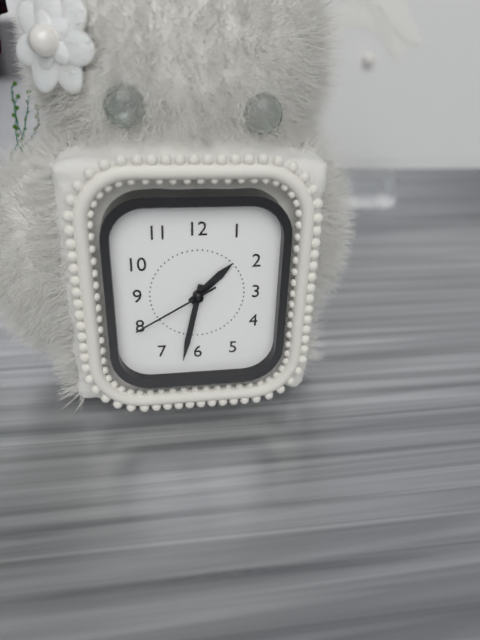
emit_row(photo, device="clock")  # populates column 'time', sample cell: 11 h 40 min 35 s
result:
1 h 32 min 40 s
